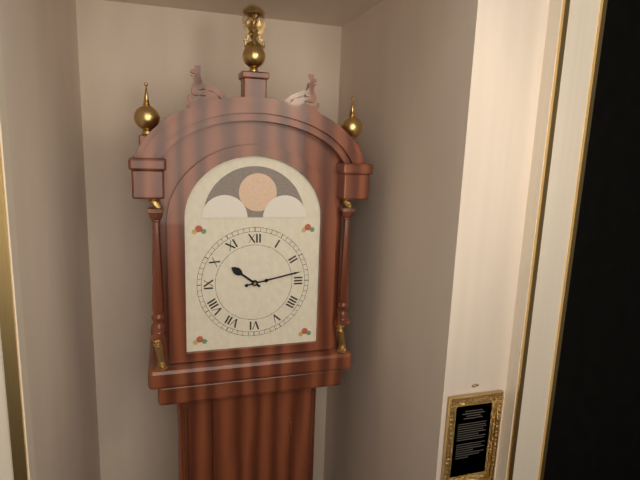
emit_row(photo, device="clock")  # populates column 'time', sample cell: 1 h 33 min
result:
10 h 13 min
